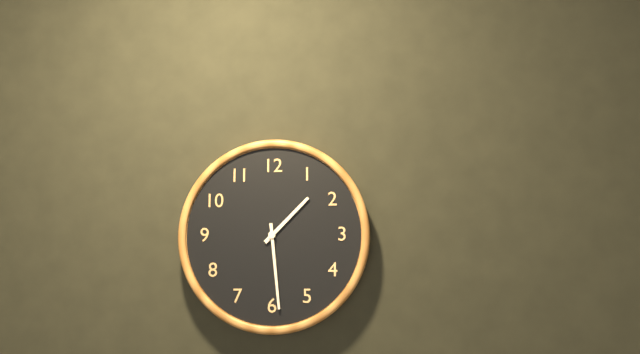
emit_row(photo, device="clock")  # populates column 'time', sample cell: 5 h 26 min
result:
1 h 29 min
